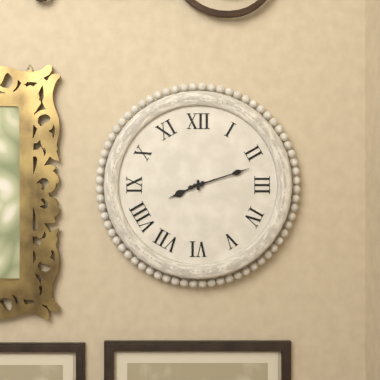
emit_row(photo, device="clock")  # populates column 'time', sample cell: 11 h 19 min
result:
8 h 12 min
